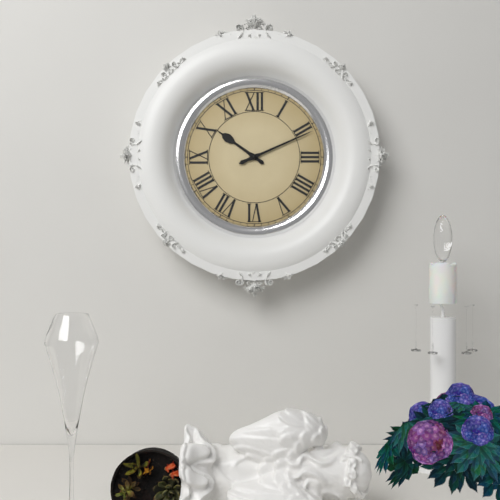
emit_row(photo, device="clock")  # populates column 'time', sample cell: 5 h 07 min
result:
10 h 11 min
